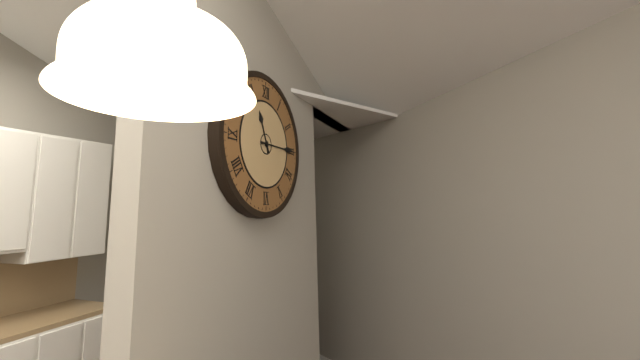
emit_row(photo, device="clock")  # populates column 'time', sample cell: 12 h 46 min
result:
11 h 15 min
